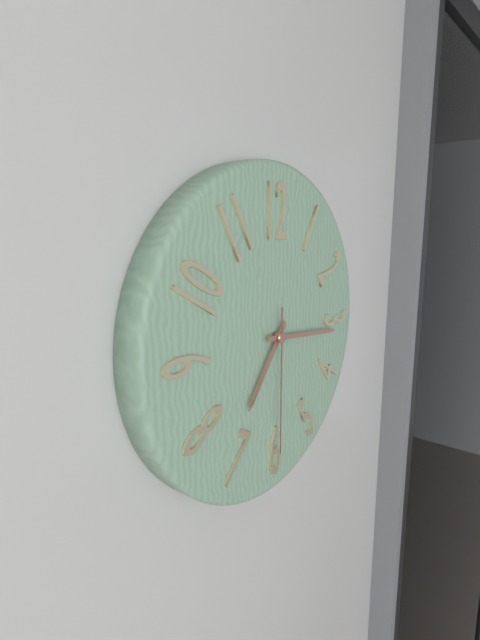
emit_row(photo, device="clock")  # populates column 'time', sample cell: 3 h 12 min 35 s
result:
7 h 16 min 30 s
